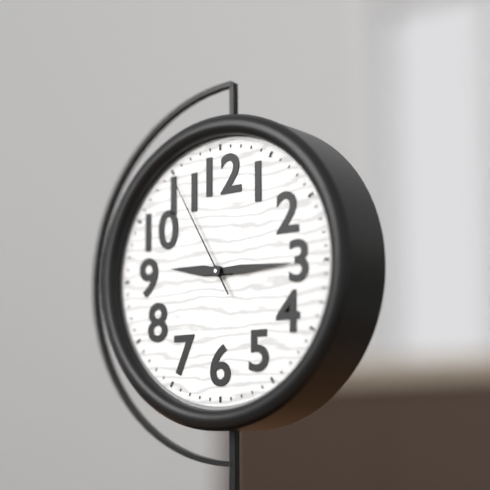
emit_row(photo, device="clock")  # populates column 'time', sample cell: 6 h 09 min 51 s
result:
9 h 15 min 55 s
